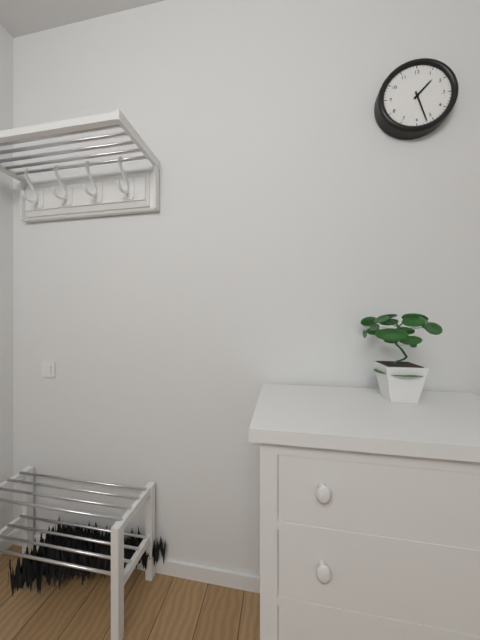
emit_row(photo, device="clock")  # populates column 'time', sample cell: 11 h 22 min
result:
1 h 27 min
